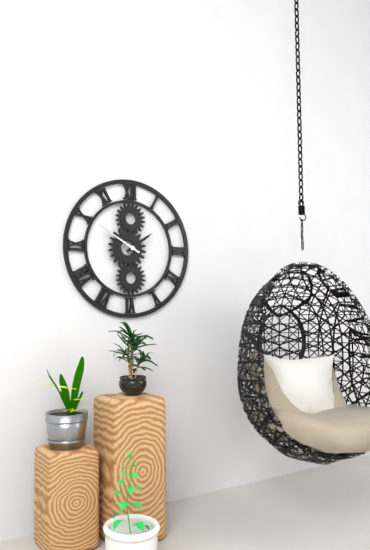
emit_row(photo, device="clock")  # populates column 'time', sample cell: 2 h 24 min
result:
1 h 50 min
